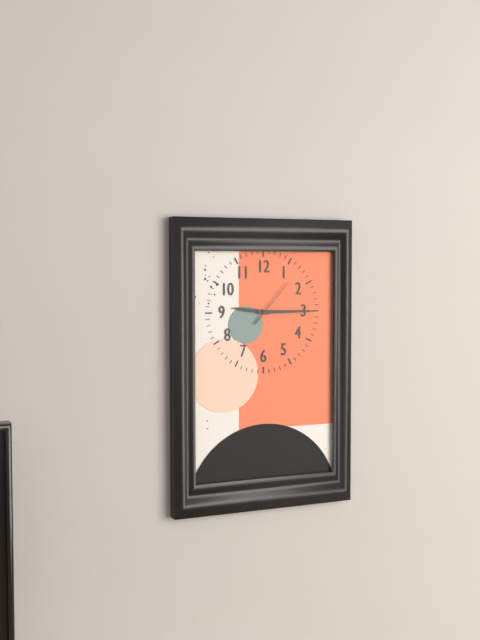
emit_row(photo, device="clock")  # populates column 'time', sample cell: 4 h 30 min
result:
9 h 15 min
